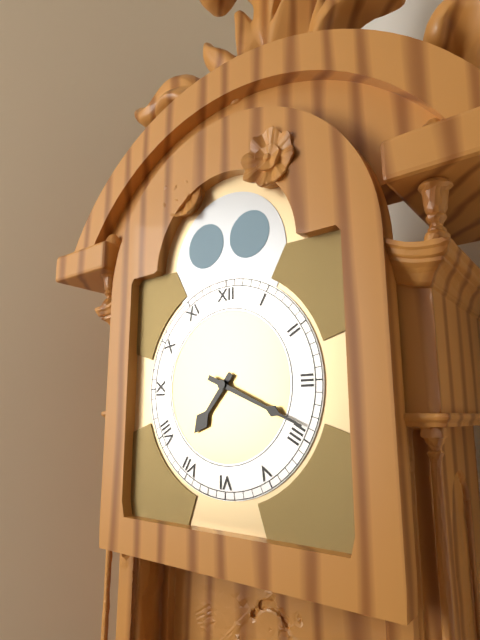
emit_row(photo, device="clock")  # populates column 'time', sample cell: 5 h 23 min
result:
7 h 19 min
